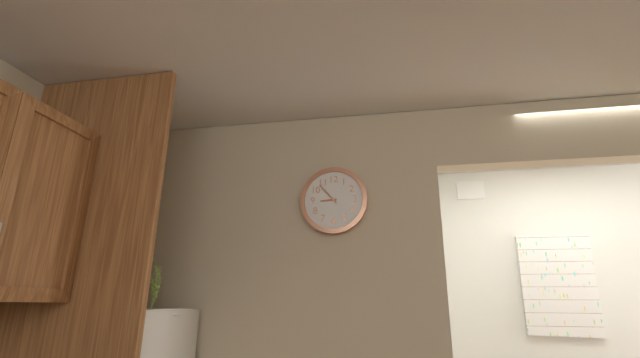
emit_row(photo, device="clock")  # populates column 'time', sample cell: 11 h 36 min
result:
8 h 53 min
